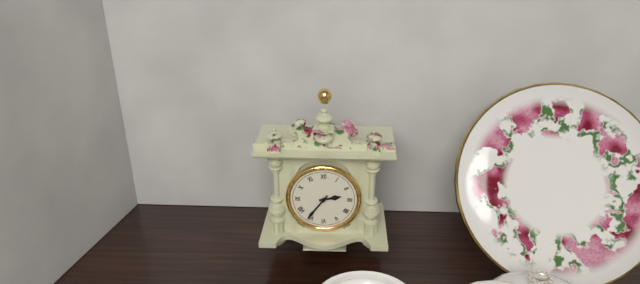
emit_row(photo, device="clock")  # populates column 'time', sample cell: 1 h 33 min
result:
2 h 36 min
